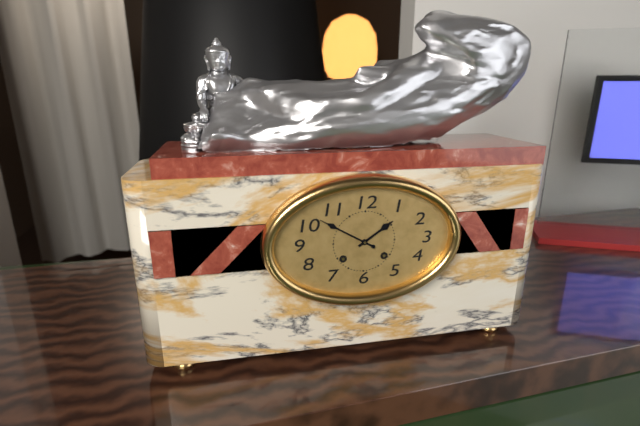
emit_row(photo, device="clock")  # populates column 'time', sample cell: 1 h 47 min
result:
1 h 50 min
